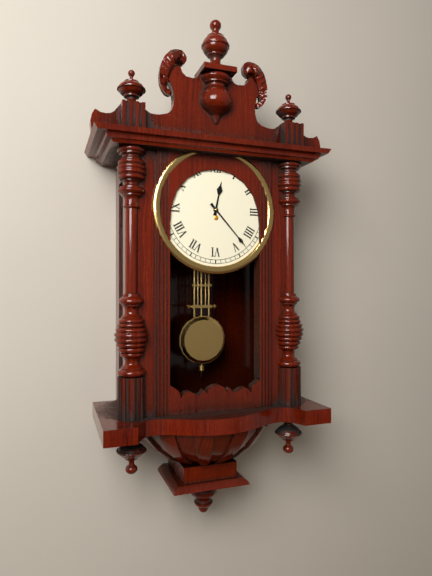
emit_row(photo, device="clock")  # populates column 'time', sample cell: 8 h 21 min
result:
12 h 23 min
